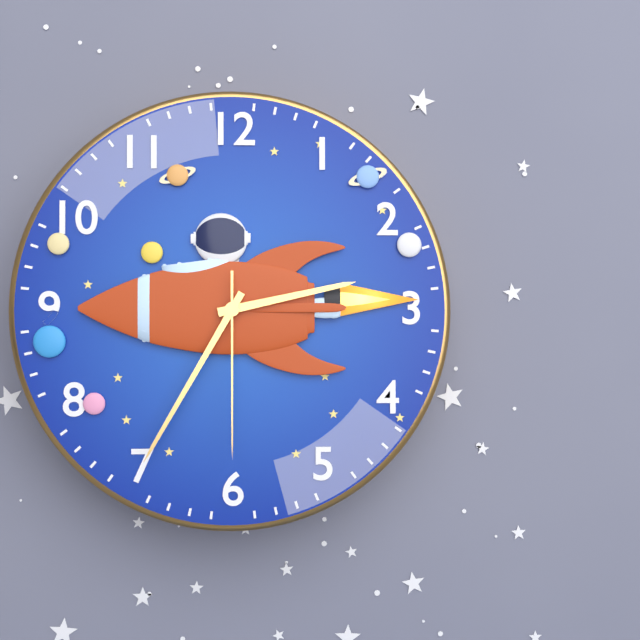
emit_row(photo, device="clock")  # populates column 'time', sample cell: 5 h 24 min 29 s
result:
2 h 35 min 30 s
